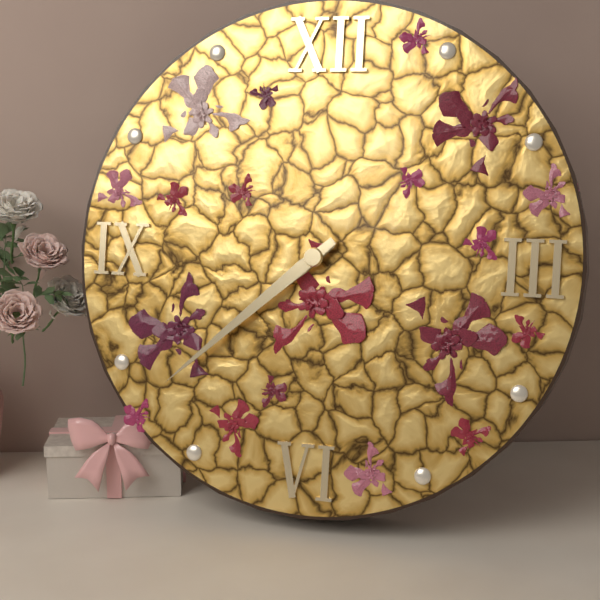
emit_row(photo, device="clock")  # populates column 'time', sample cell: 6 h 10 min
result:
7 h 38 min
